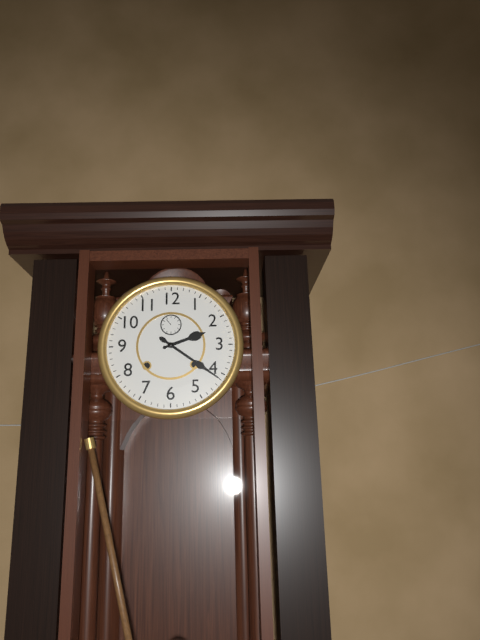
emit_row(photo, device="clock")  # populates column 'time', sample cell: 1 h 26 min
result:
2 h 21 min
